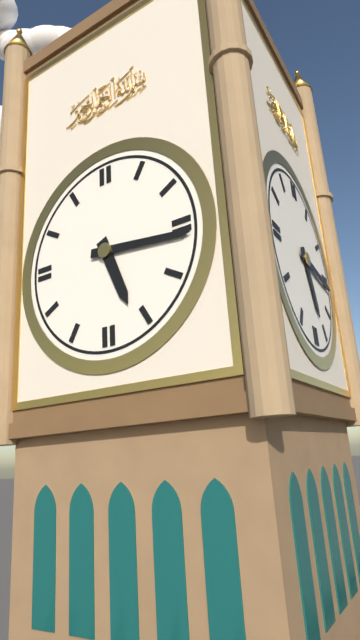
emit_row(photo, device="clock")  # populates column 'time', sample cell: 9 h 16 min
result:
5 h 16 min
